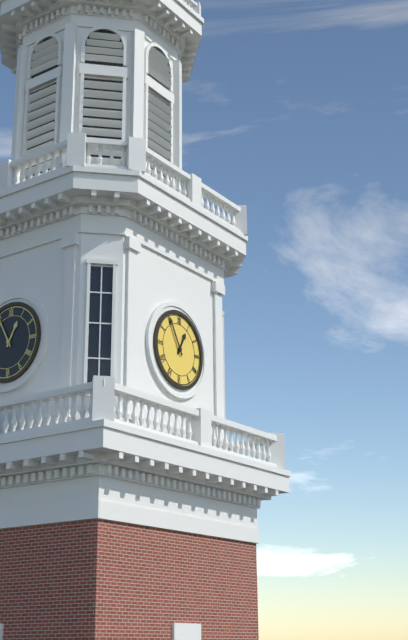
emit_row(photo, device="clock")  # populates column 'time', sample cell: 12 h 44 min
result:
12 h 55 min
